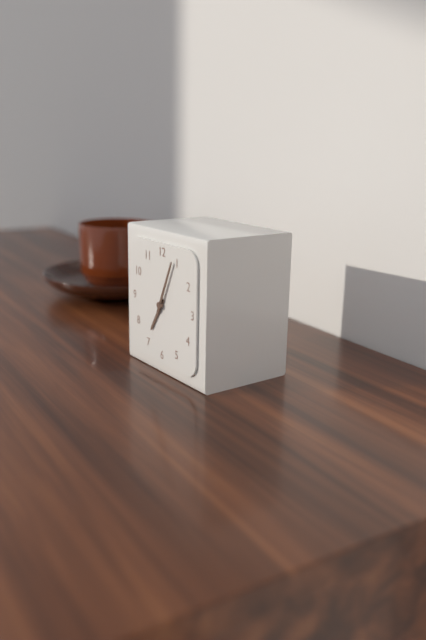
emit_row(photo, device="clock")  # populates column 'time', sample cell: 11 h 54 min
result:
7 h 04 min
